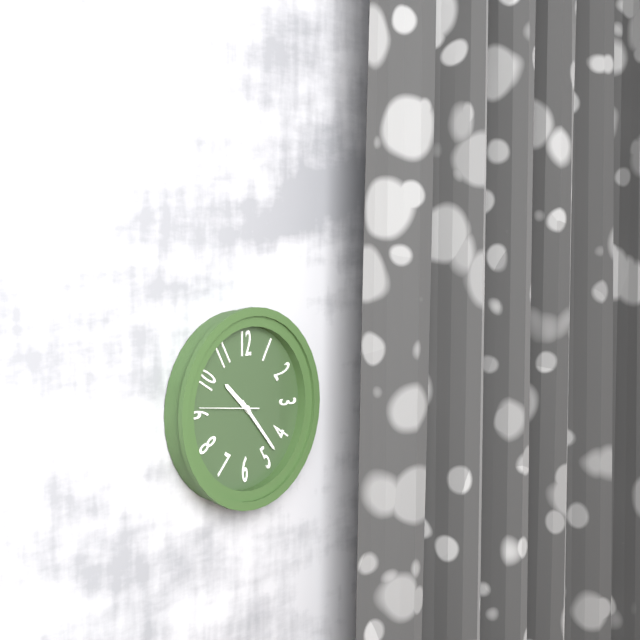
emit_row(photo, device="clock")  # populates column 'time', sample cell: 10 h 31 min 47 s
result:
10 h 23 min 46 s
